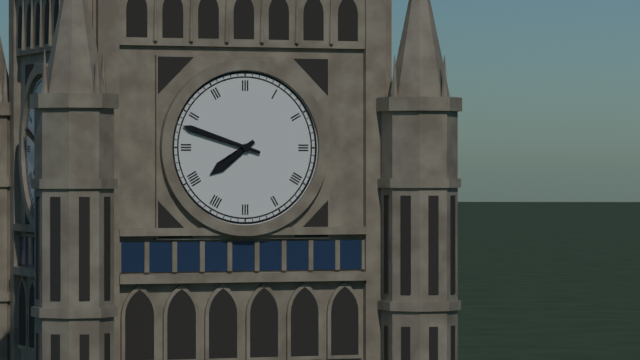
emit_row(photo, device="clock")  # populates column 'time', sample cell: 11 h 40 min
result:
7 h 48 min
